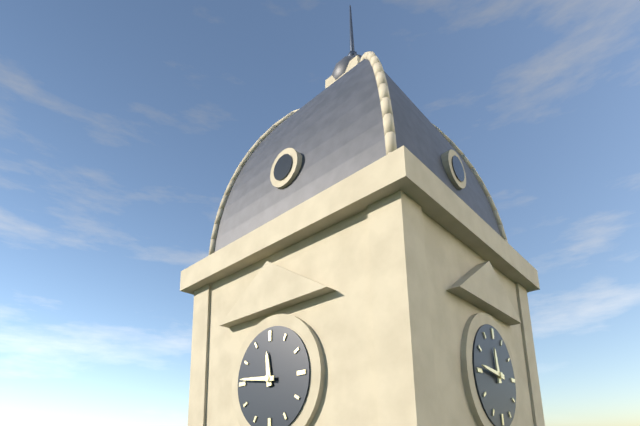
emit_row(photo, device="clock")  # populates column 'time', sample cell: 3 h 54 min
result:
11 h 46 min
